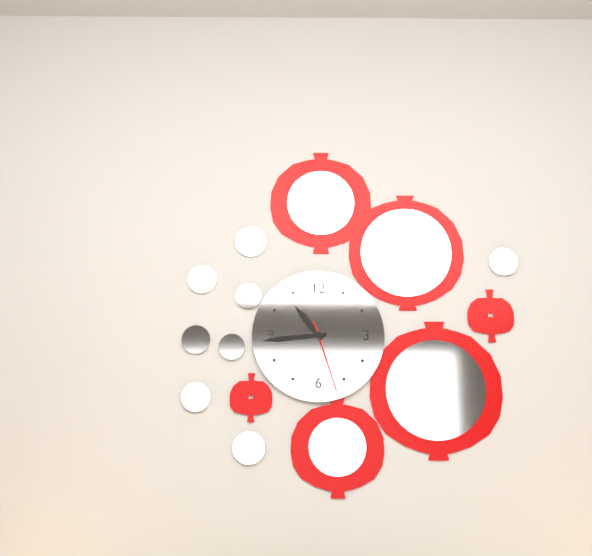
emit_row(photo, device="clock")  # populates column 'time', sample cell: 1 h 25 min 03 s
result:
10 h 44 min 27 s
